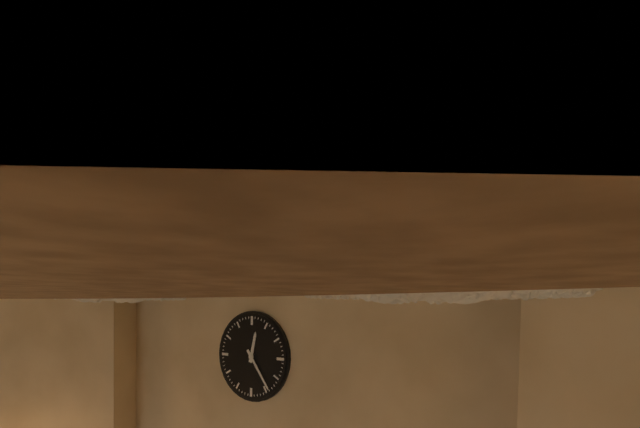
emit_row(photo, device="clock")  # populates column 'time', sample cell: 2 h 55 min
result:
12 h 24 min
